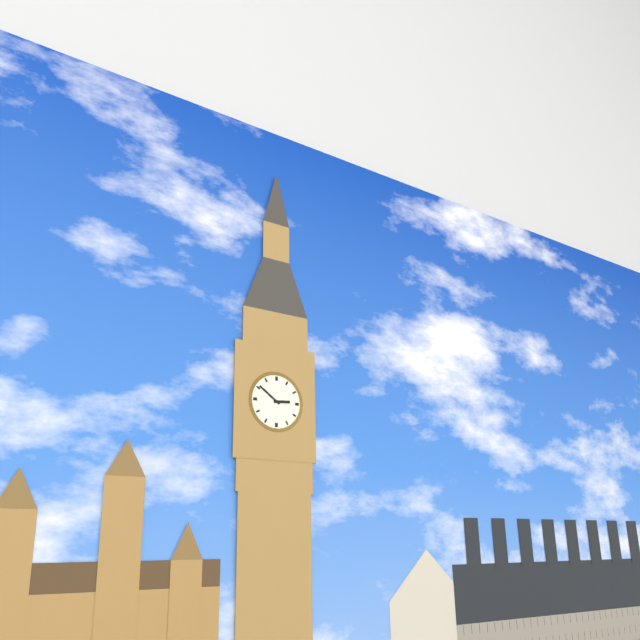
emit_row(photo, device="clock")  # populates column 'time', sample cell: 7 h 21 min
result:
2 h 51 min
